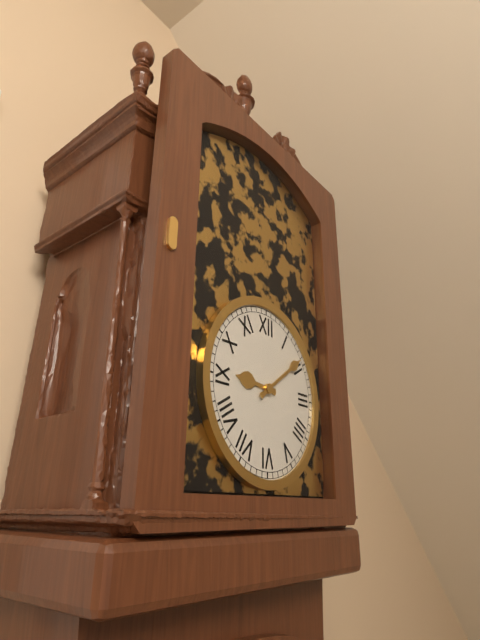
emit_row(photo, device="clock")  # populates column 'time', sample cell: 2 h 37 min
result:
9 h 09 min
